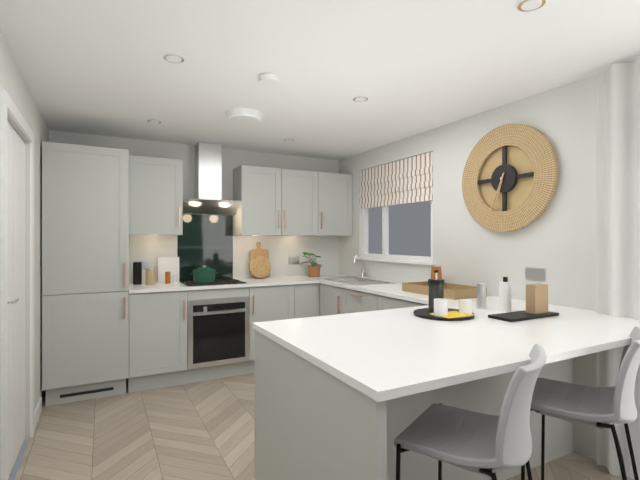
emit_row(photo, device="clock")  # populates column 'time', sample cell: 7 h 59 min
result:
6 h 34 min
